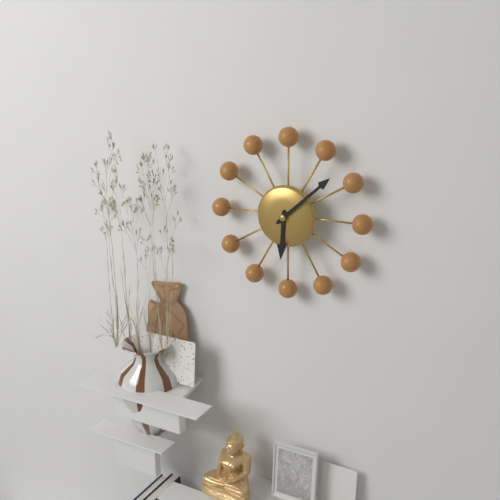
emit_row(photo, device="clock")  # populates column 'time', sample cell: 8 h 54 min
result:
6 h 08 min
